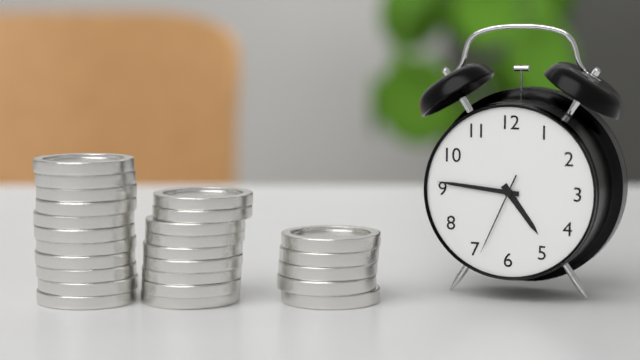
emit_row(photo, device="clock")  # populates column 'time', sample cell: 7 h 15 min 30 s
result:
4 h 46 min 34 s
